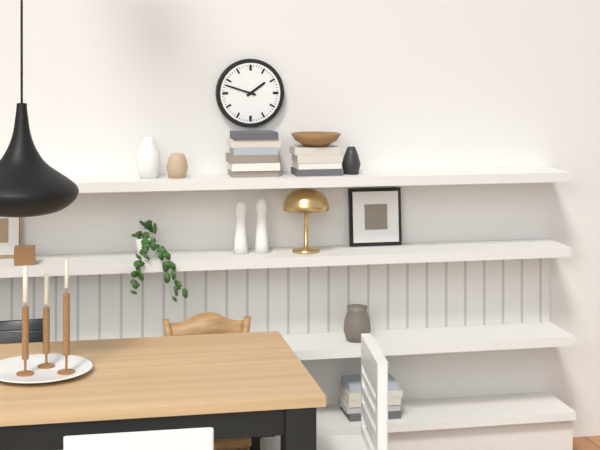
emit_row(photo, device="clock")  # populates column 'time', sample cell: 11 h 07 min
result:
1 h 48 min
